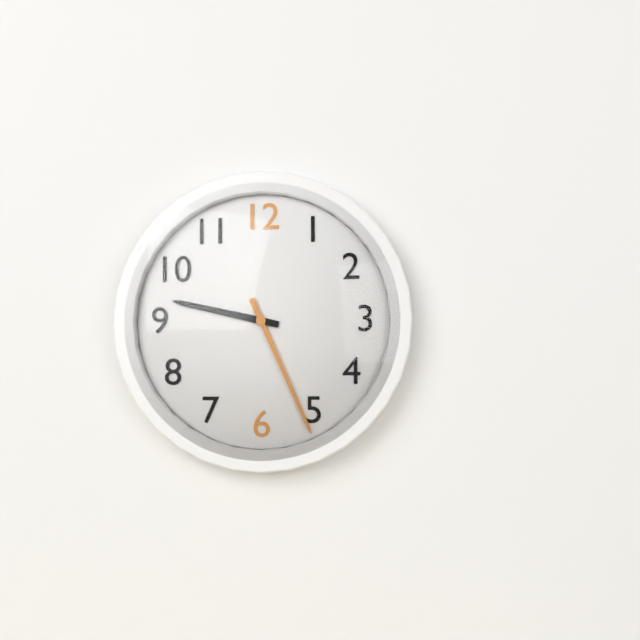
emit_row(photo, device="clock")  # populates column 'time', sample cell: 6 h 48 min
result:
9 h 26 min
